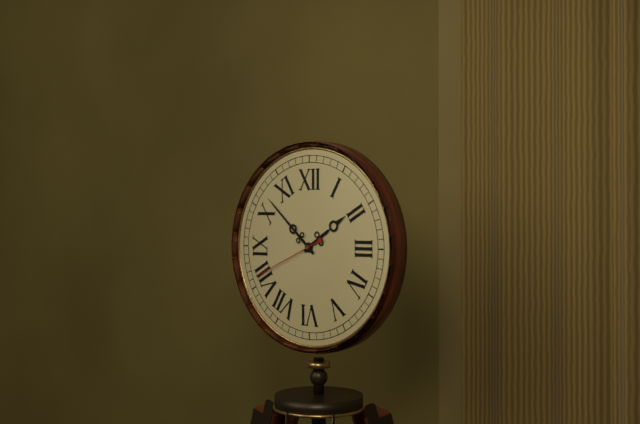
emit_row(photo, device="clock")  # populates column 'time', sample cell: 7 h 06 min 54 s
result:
1 h 52 min 41 s
